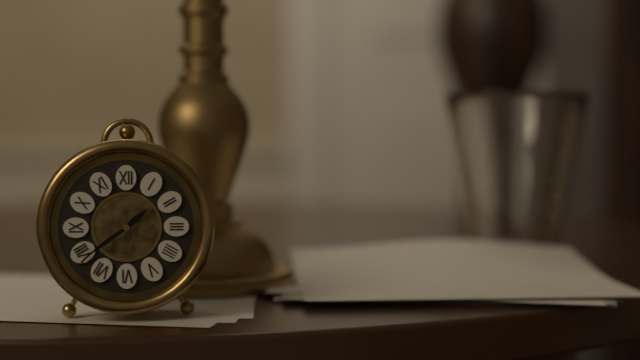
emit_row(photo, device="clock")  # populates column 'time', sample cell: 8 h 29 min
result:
1 h 39 min
